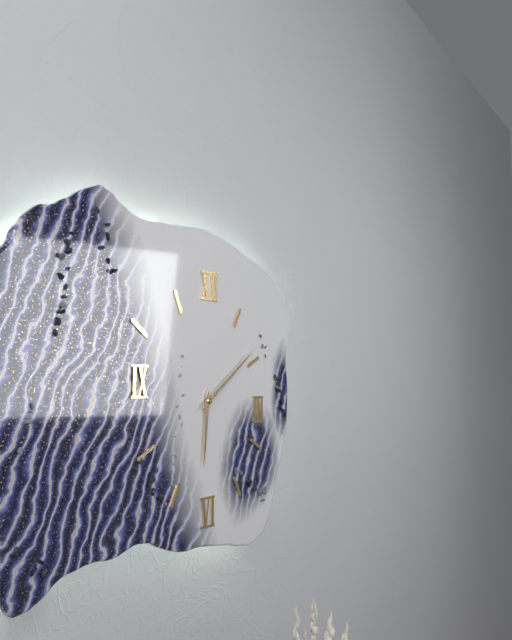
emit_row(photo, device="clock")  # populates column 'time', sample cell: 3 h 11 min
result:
6 h 09 min
